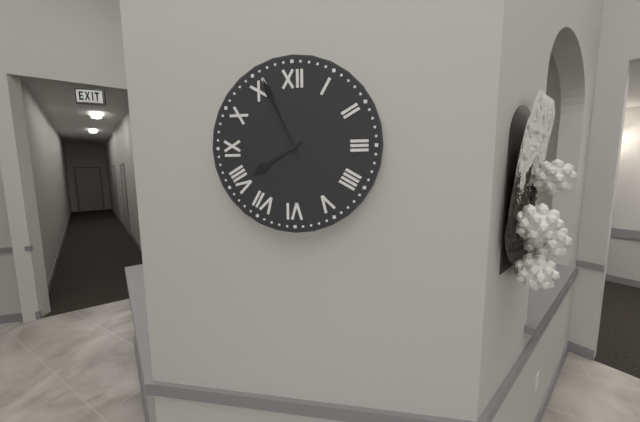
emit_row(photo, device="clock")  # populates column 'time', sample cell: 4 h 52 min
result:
7 h 56 min
